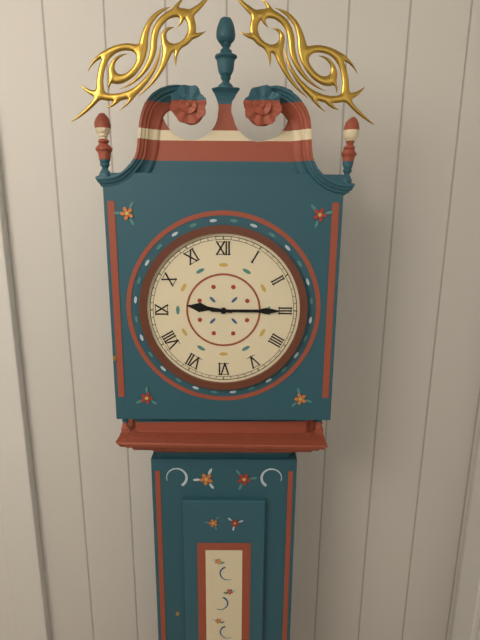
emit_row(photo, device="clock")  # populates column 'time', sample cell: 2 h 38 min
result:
9 h 15 min
